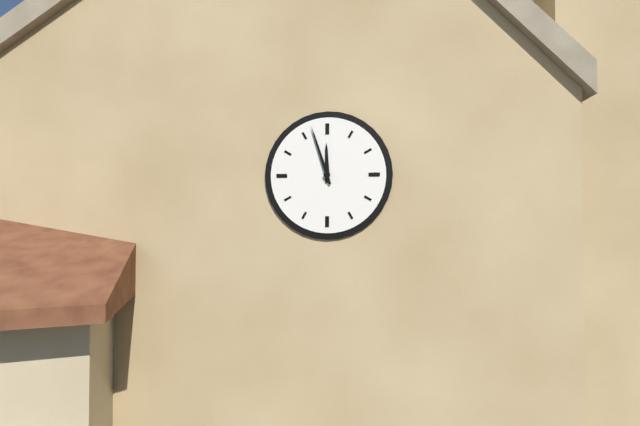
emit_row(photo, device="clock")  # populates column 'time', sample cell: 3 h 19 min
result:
11 h 57 min
